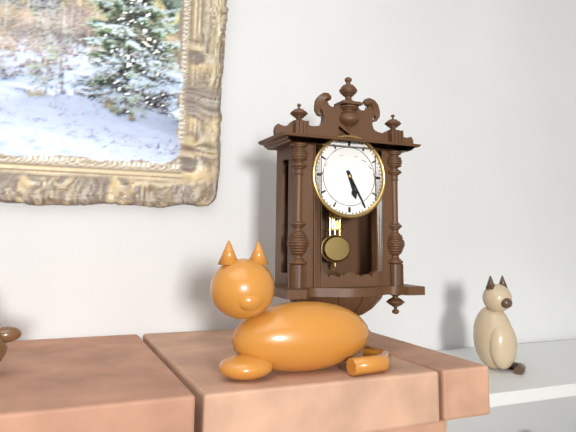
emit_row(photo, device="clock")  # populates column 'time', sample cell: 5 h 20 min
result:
5 h 25 min
